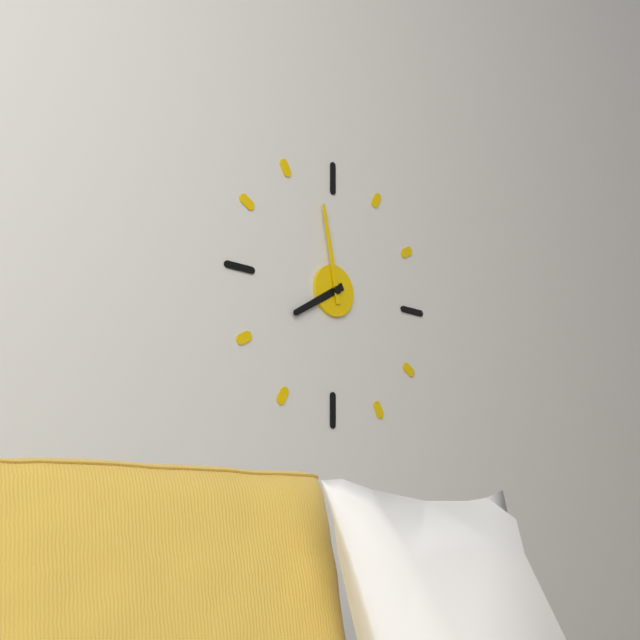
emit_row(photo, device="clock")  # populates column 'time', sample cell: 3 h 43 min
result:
7 h 58 min
